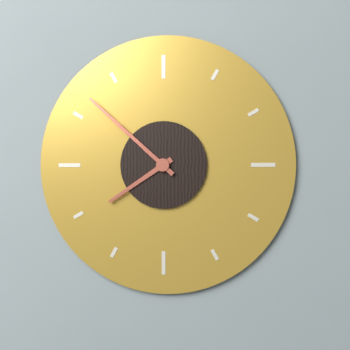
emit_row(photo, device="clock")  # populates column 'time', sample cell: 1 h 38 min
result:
7 h 52 min
